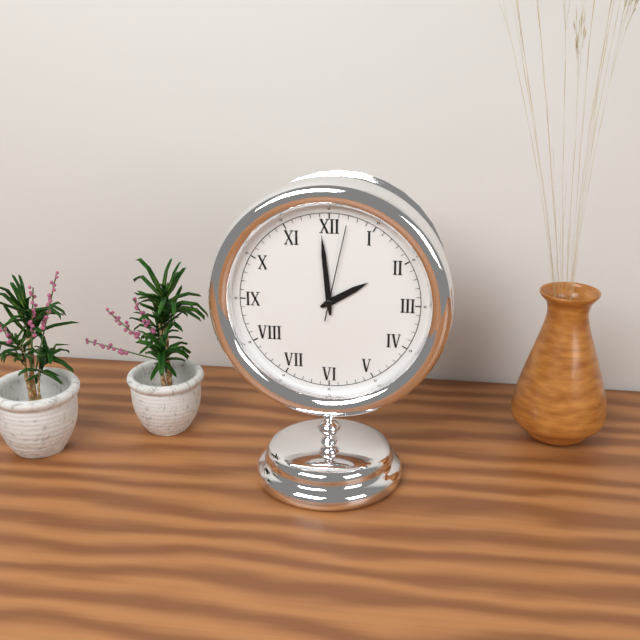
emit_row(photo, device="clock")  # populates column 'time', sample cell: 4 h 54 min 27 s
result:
1 h 59 min 02 s
